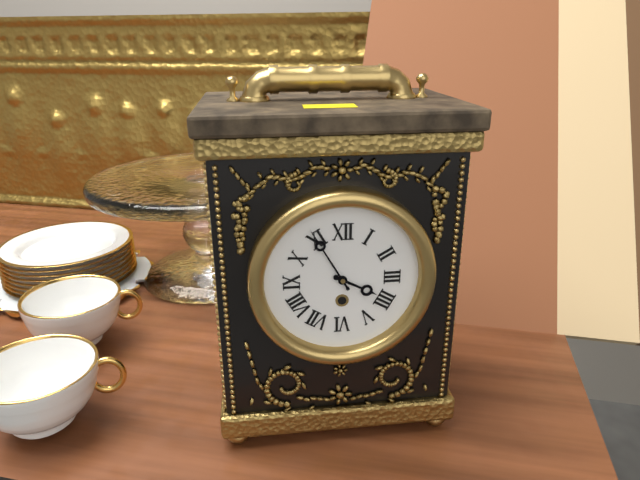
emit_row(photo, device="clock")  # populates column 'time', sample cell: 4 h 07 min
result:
3 h 55 min
